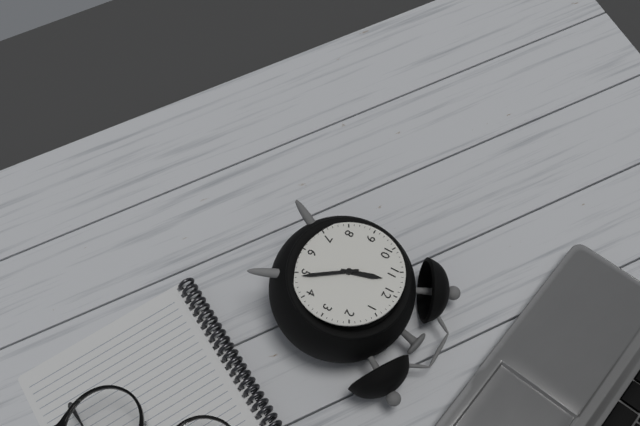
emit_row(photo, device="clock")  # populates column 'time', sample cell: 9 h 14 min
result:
11 h 24 min
